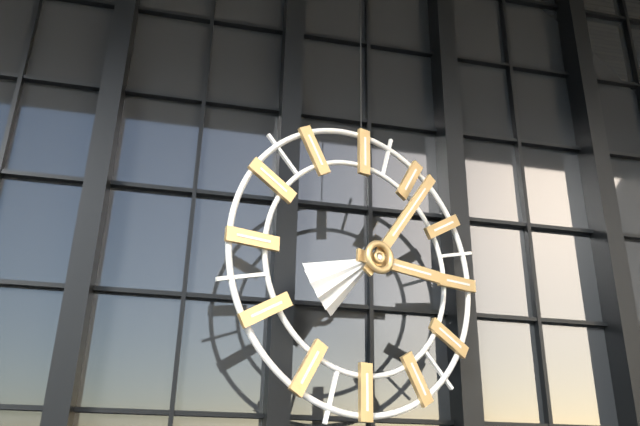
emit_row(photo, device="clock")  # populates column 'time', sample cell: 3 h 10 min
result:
3 h 06 min
